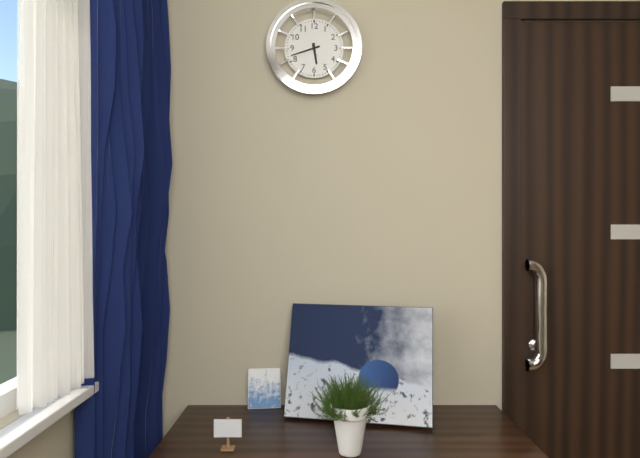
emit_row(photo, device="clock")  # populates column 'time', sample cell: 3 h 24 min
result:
5 h 42 min
